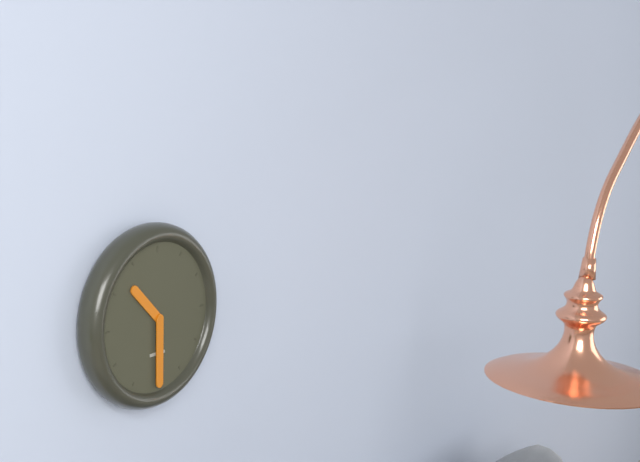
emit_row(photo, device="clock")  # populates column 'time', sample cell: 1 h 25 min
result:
10 h 30 min
